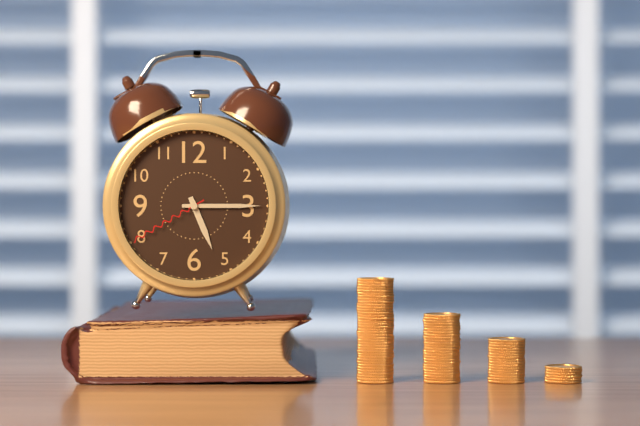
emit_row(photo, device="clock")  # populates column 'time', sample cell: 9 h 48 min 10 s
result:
5 h 15 min 40 s
